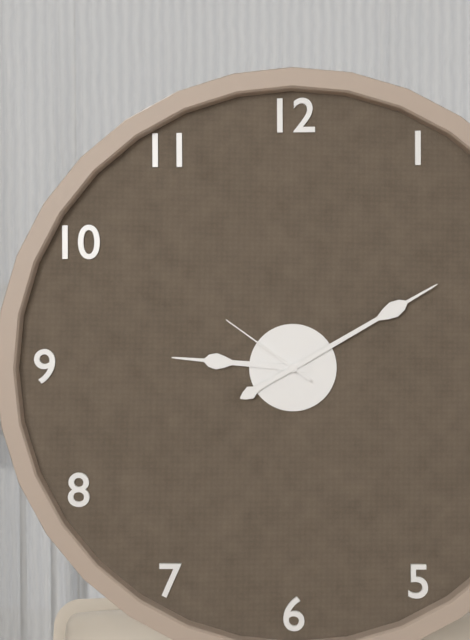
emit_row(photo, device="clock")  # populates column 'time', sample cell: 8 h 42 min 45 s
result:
9 h 10 min 51 s
